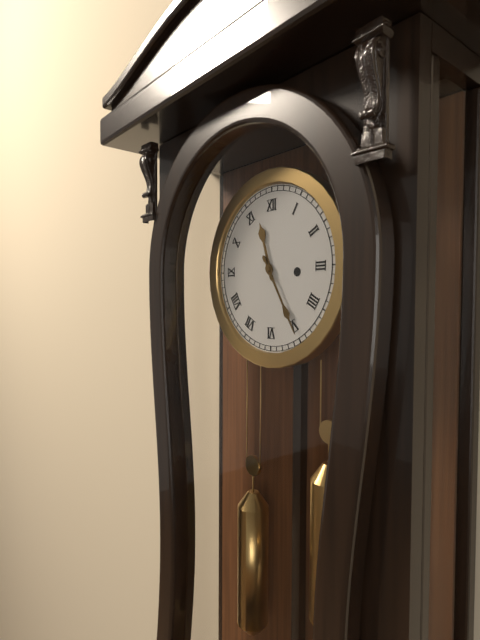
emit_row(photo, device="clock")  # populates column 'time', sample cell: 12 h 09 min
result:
11 h 25 min
